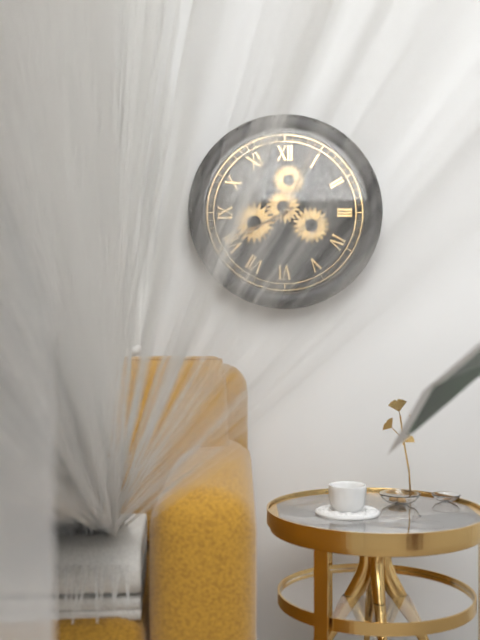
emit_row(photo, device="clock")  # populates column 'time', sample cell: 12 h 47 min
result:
8 h 04 min
